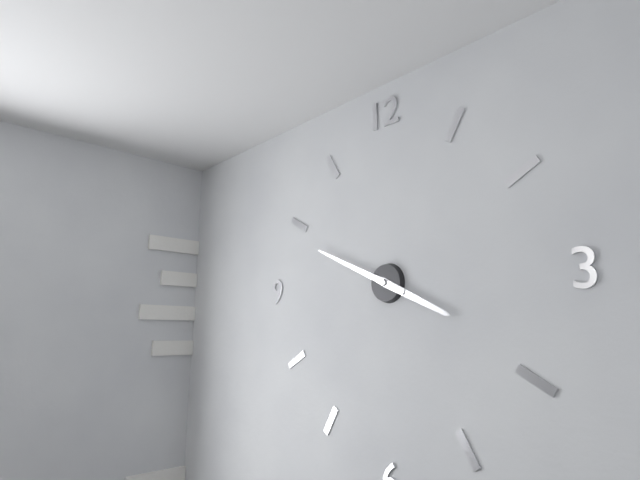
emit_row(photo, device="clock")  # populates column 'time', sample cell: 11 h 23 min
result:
3 h 49 min
